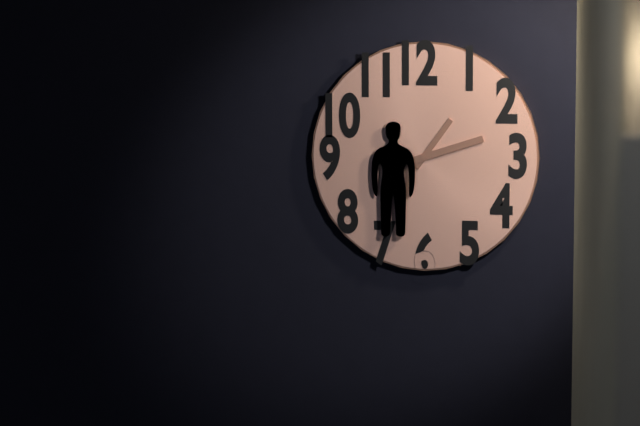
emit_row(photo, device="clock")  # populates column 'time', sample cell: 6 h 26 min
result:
1 h 12 min
